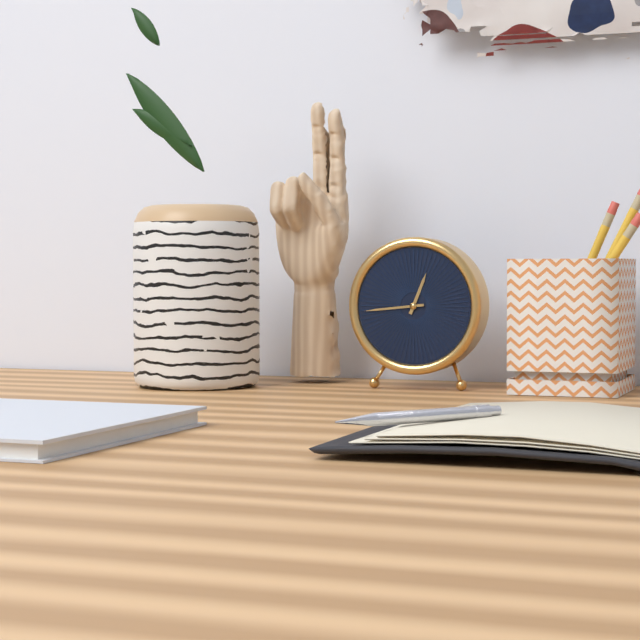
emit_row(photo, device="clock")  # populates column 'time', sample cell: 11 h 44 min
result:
12 h 44 min
